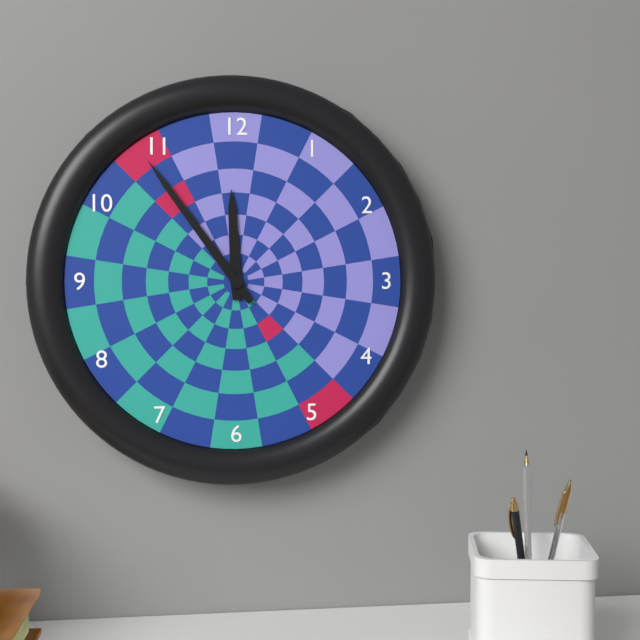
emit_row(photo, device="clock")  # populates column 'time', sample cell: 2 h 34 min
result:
11 h 54 min
